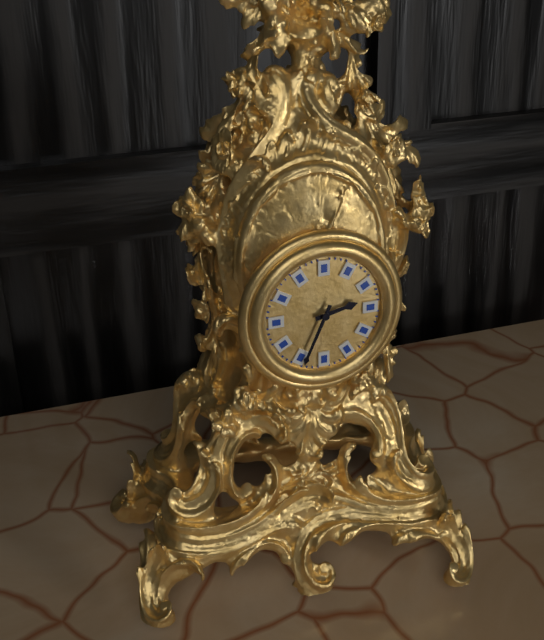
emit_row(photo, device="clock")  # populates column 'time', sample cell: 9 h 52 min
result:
2 h 34 min
